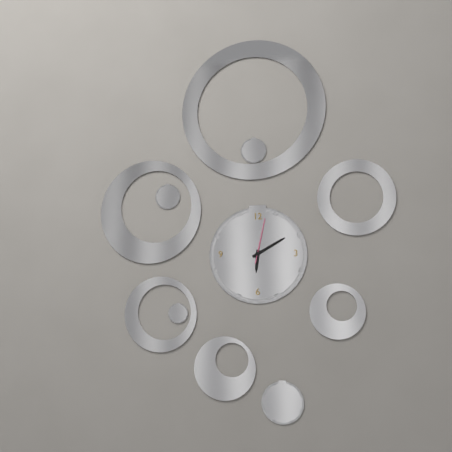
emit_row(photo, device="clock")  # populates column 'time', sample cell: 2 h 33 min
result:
6 h 10 min
